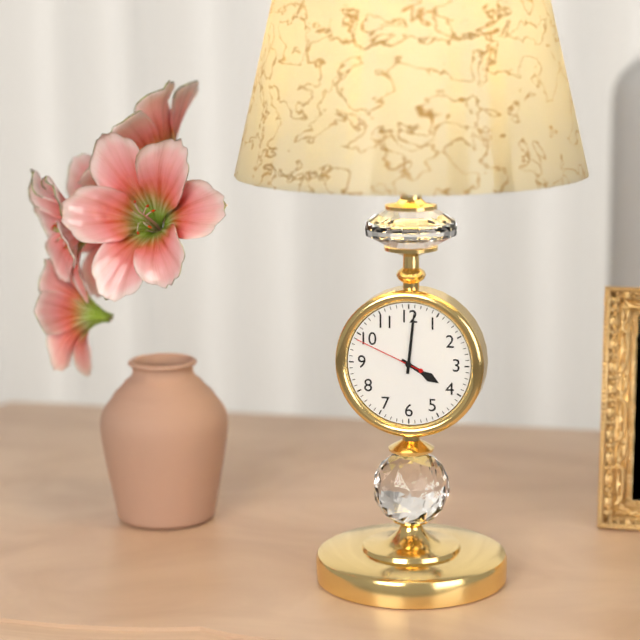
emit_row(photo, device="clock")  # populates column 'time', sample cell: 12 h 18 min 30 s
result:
4 h 01 min 49 s
